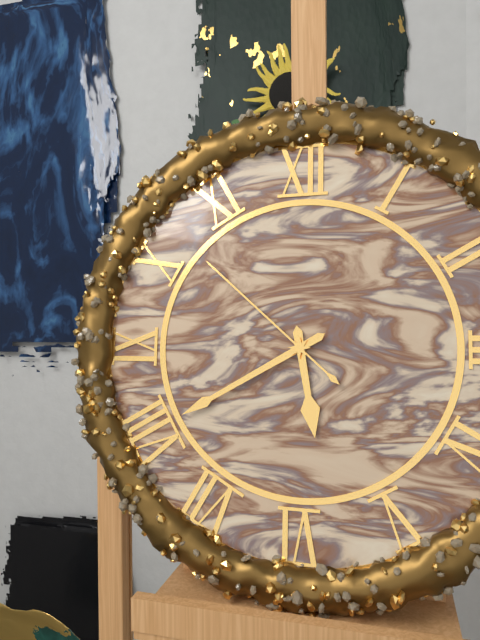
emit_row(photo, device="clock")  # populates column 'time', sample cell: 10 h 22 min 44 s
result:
5 h 40 min 52 s
